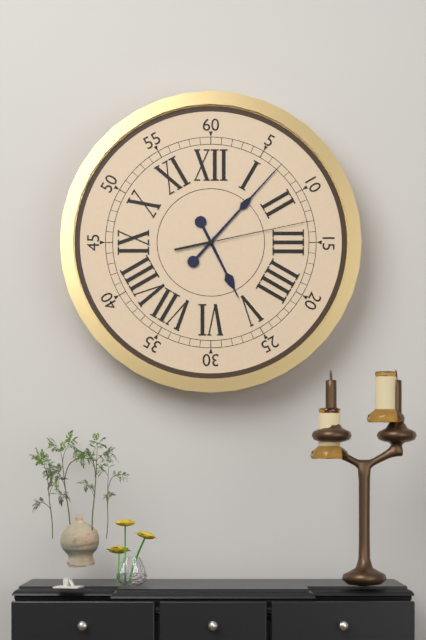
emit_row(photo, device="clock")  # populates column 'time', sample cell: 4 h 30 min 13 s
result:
5 h 07 min 13 s
